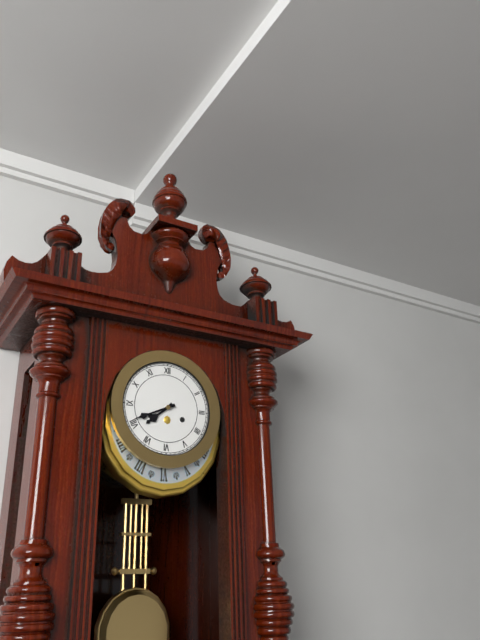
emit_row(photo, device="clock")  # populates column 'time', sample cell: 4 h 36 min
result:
7 h 41 min
